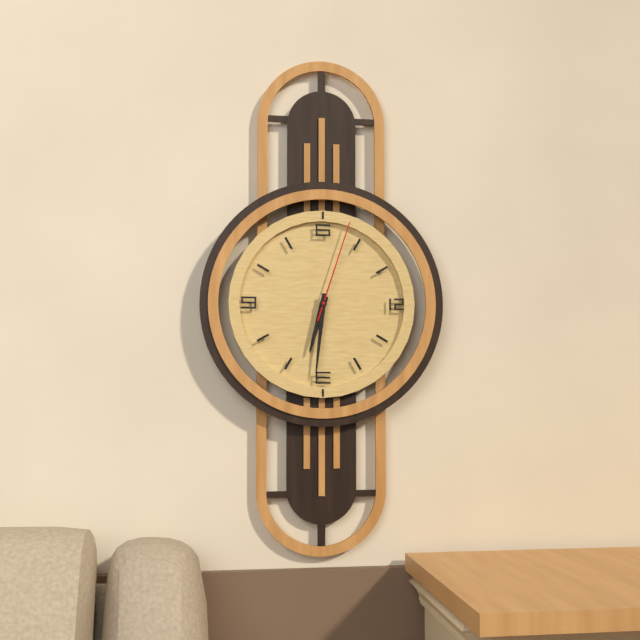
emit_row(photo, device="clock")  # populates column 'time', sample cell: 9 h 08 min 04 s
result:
6 h 31 min 03 s
